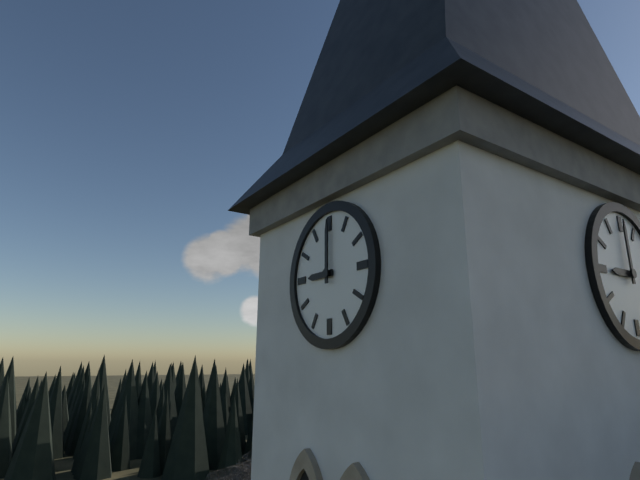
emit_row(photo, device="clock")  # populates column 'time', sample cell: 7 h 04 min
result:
9 h 00 min
